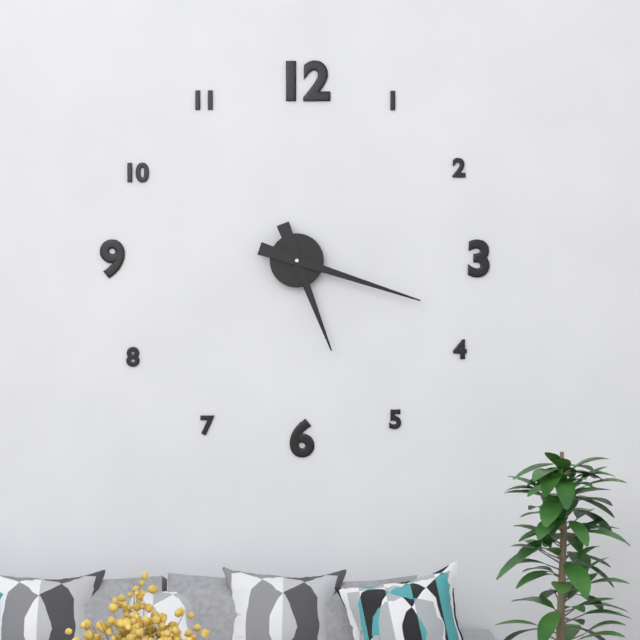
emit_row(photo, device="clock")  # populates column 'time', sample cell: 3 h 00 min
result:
5 h 18 min
